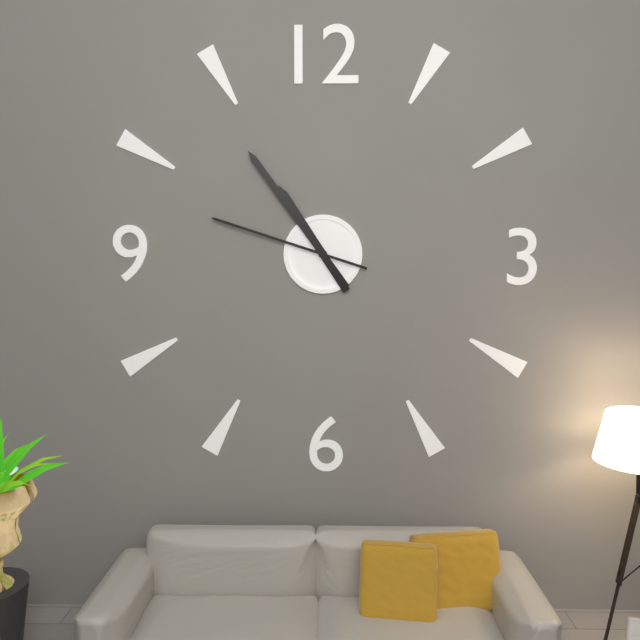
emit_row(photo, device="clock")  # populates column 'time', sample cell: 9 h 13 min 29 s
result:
10 h 54 min 48 s
